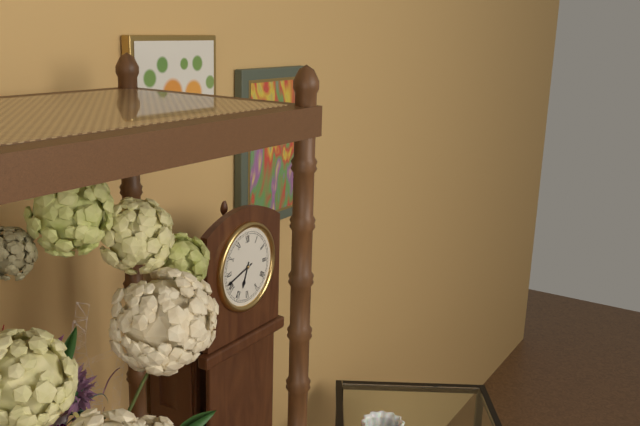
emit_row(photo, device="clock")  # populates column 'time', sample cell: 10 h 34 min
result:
6 h 42 min
